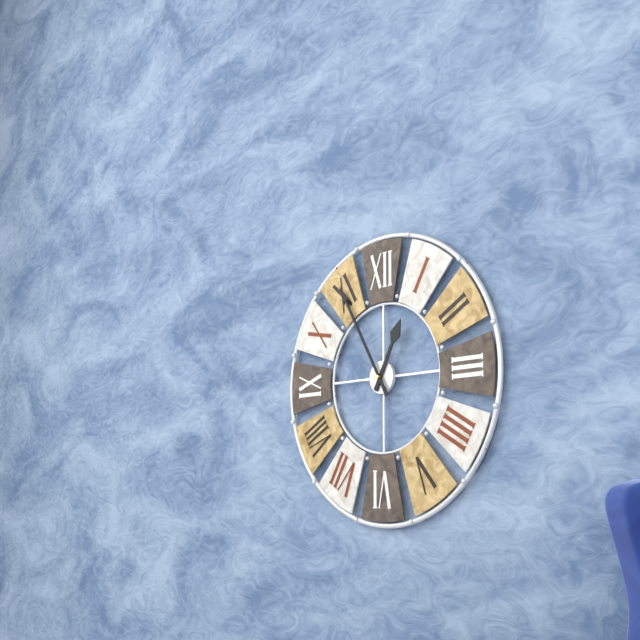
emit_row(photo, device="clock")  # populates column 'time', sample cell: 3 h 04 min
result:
12 h 55 min
